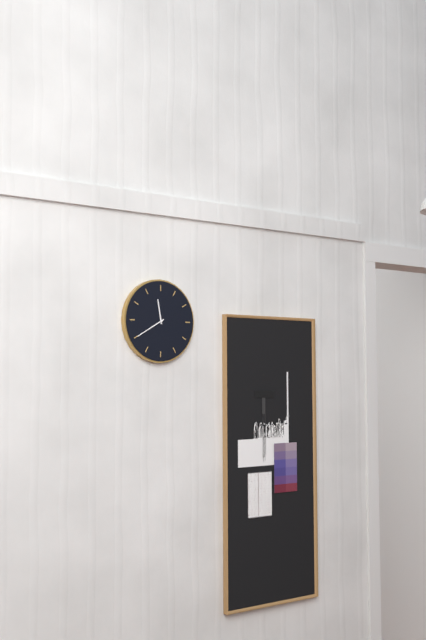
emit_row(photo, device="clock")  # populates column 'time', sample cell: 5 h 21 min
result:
11 h 40 min
